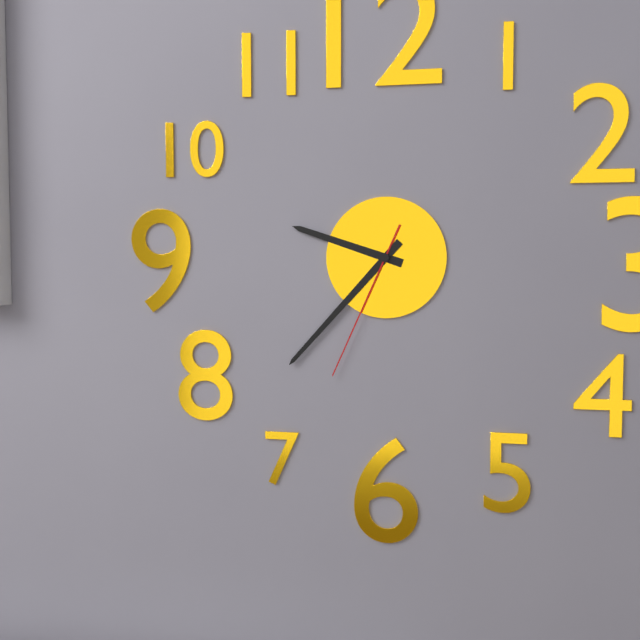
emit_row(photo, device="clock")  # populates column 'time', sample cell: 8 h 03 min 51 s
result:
9 h 37 min 34 s
